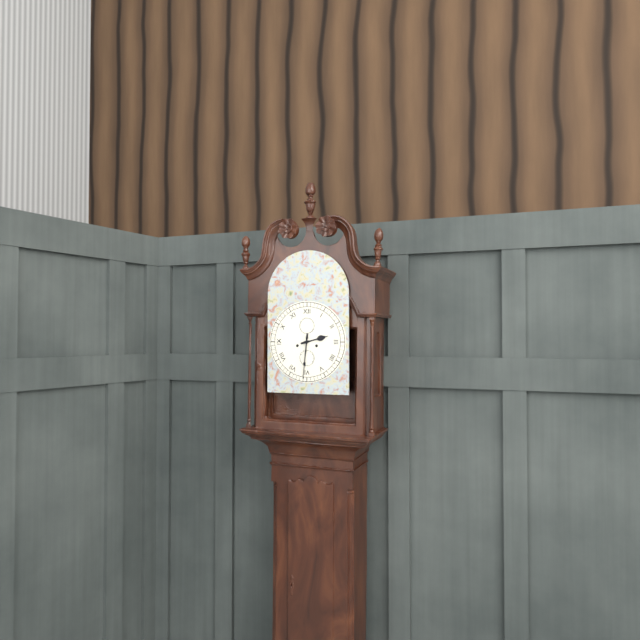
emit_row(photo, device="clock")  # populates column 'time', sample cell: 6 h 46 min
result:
2 h 31 min
